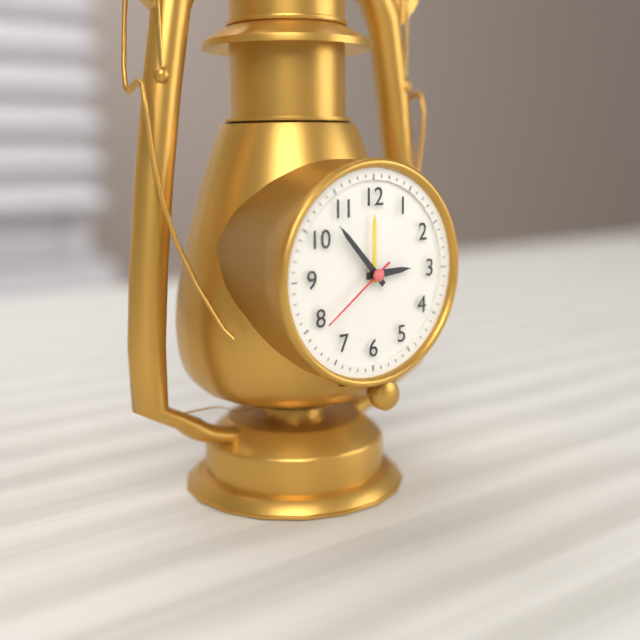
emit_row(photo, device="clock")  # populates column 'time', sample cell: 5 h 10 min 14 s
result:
2 h 53 min 39 s
